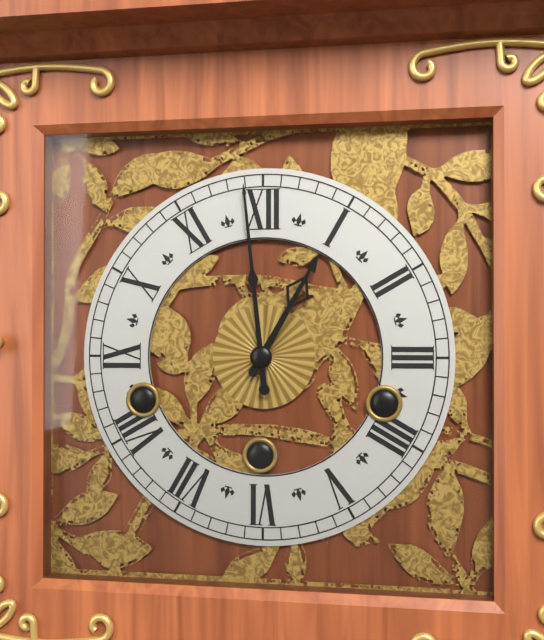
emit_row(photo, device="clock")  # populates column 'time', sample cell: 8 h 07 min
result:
12 h 59 min
